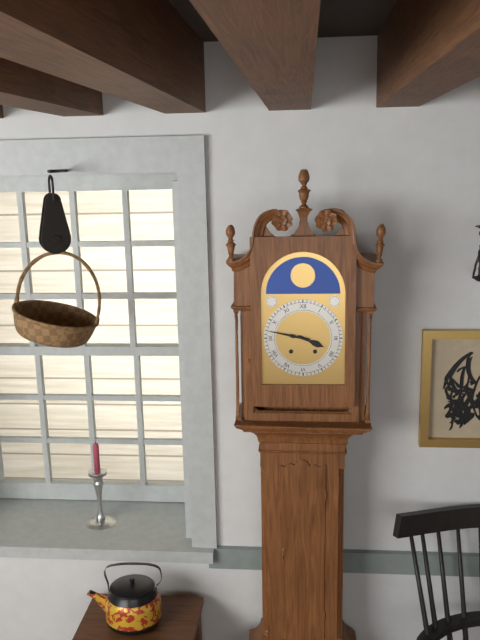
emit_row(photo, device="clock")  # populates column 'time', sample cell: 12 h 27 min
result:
3 h 47 min
